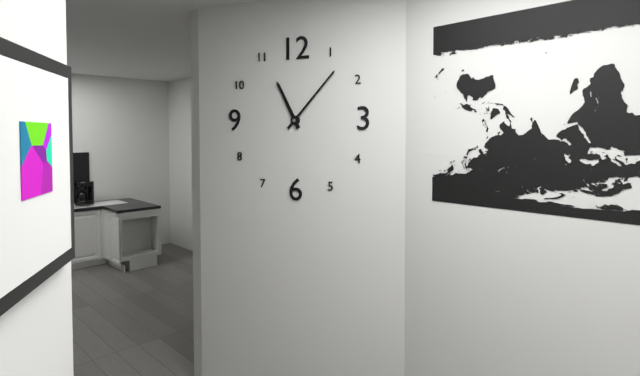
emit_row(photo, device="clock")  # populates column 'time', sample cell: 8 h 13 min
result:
11 h 07 min
